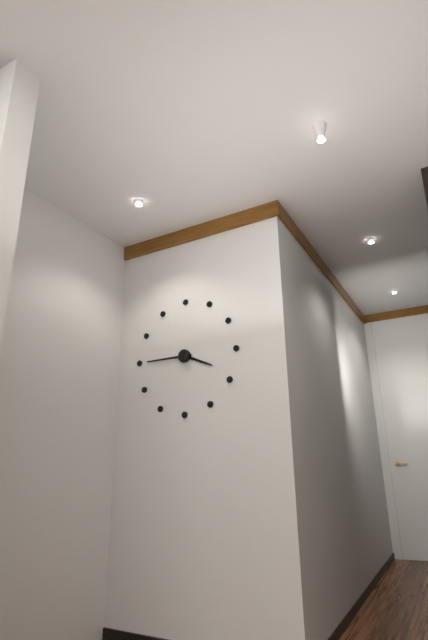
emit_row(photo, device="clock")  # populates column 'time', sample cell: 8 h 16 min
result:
3 h 45 min
